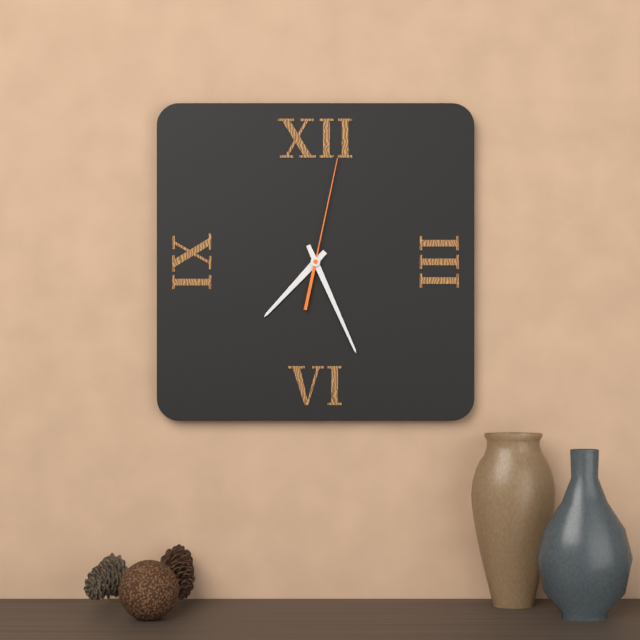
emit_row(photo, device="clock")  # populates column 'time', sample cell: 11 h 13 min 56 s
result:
7 h 26 min 02 s
